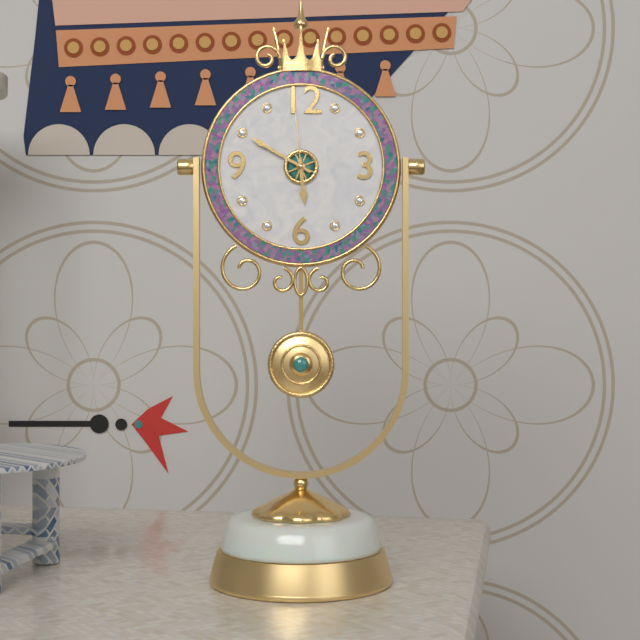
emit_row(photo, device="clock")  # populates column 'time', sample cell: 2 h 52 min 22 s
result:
5 h 50 min 59 s
